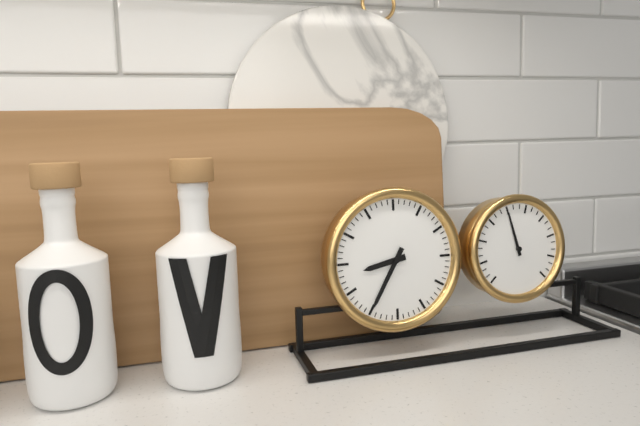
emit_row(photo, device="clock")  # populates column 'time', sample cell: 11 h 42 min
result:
8 h 35 min
